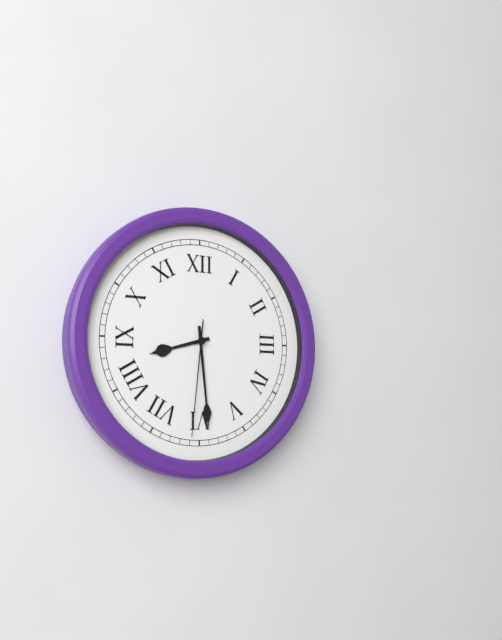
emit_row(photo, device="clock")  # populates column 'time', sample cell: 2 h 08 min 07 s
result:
8 h 29 min 31 s
